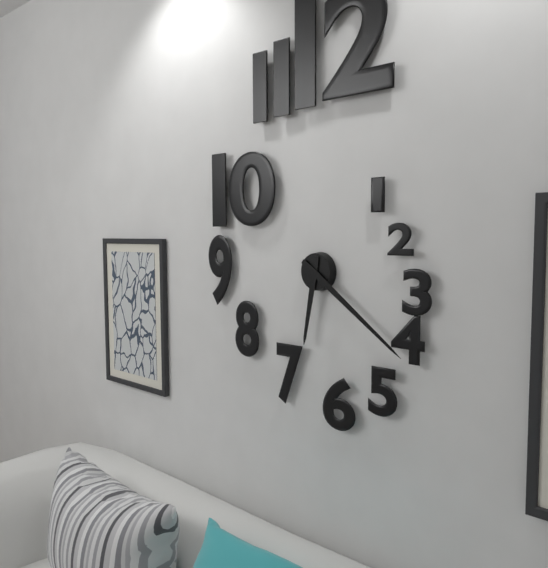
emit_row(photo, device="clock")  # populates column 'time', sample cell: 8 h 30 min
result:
6 h 21 min
